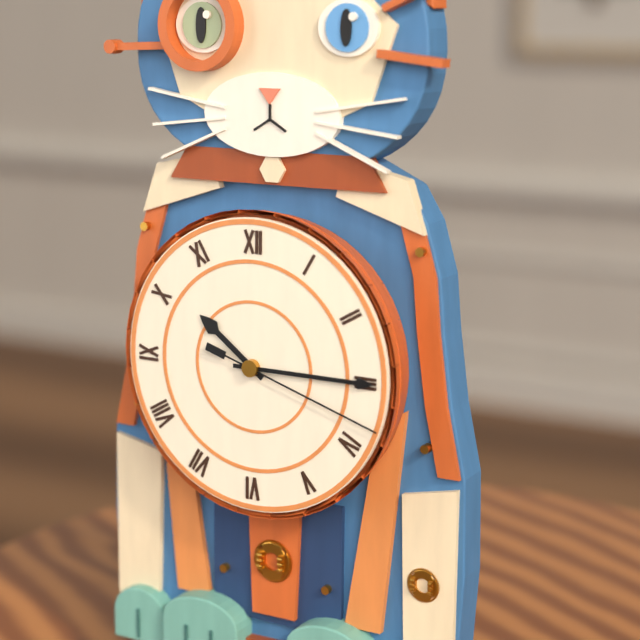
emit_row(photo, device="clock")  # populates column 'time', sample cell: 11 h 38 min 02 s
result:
10 h 15 min 18 s
